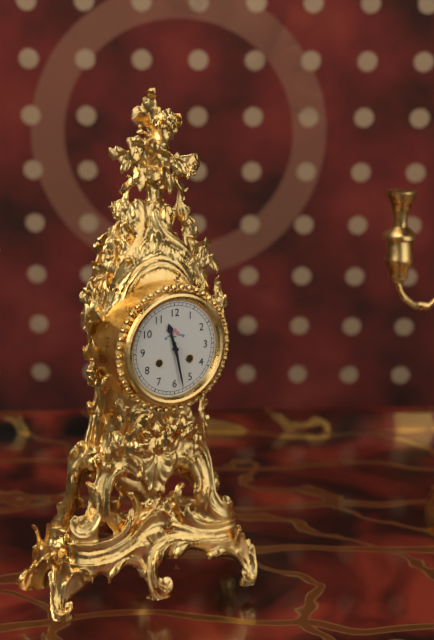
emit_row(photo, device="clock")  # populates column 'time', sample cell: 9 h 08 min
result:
11 h 28 min
